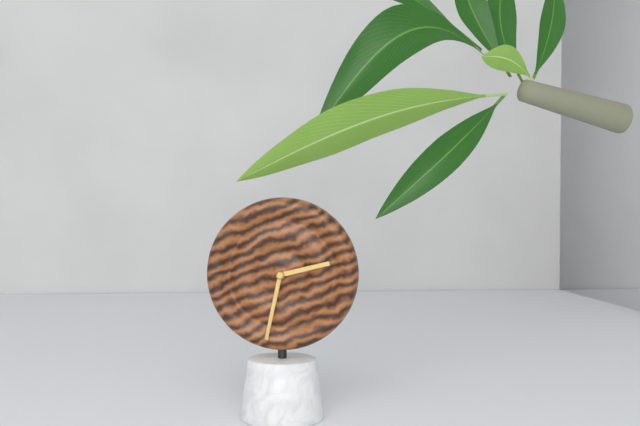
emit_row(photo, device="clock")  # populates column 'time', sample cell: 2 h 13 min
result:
2 h 32 min
